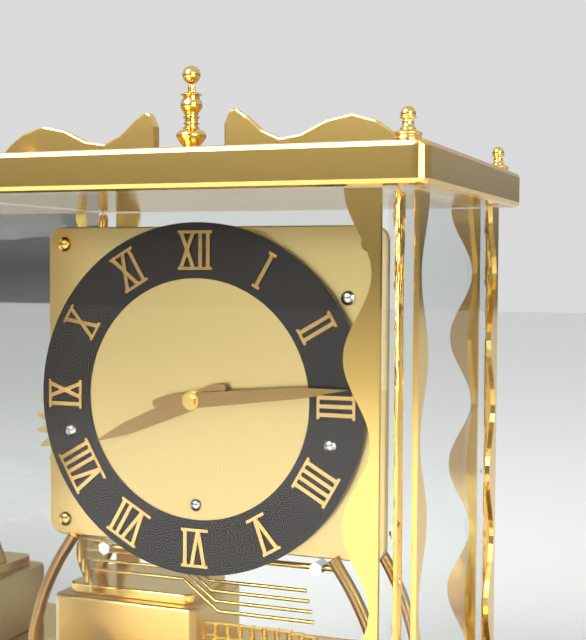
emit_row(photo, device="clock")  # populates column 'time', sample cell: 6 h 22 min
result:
8 h 14 min
